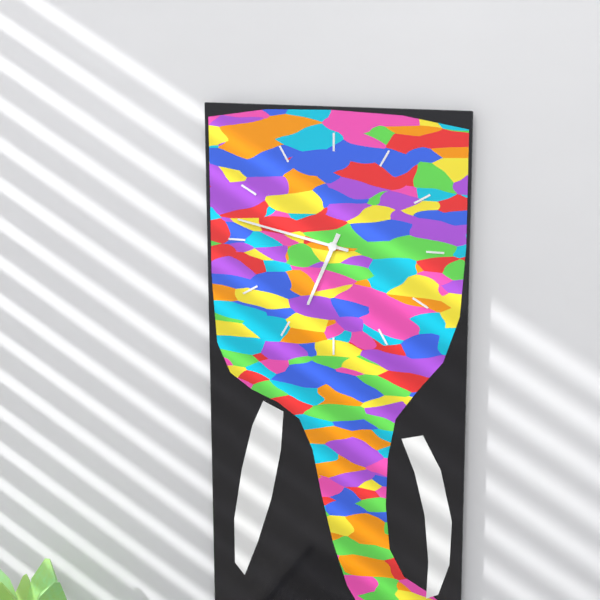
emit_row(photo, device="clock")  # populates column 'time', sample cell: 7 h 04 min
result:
6 h 47 min
